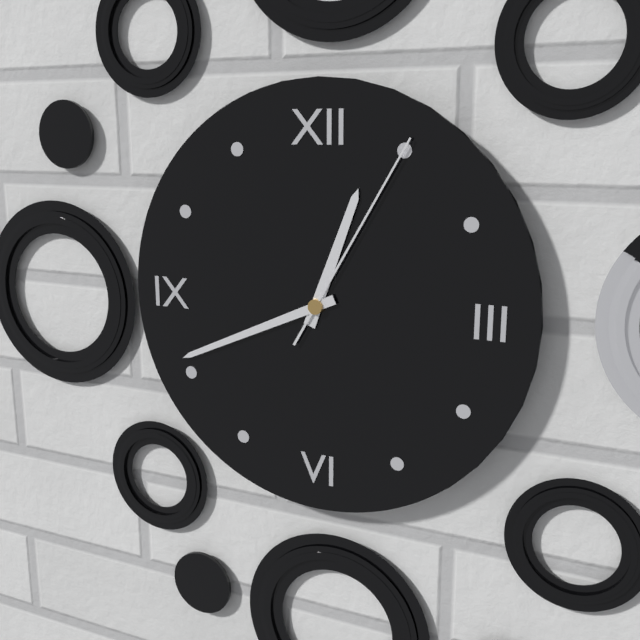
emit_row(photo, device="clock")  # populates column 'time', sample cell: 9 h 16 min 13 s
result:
12 h 41 min 05 s
